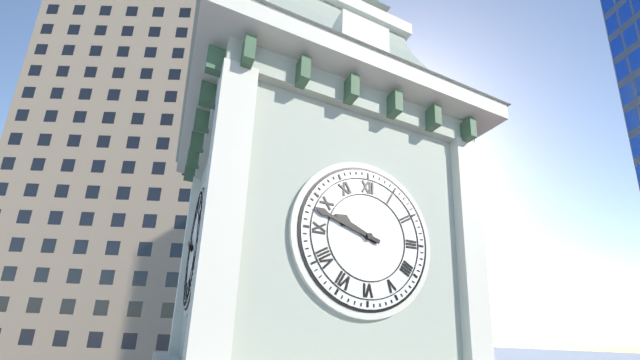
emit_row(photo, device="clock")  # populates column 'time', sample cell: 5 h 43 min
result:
9 h 48 min
